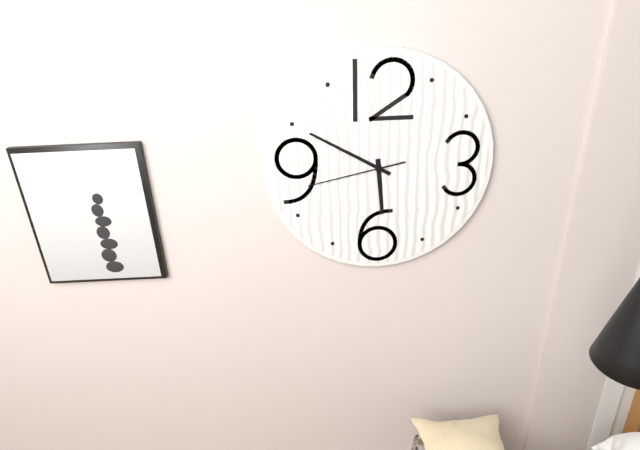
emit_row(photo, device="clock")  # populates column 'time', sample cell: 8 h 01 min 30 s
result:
5 h 50 min 43 s
